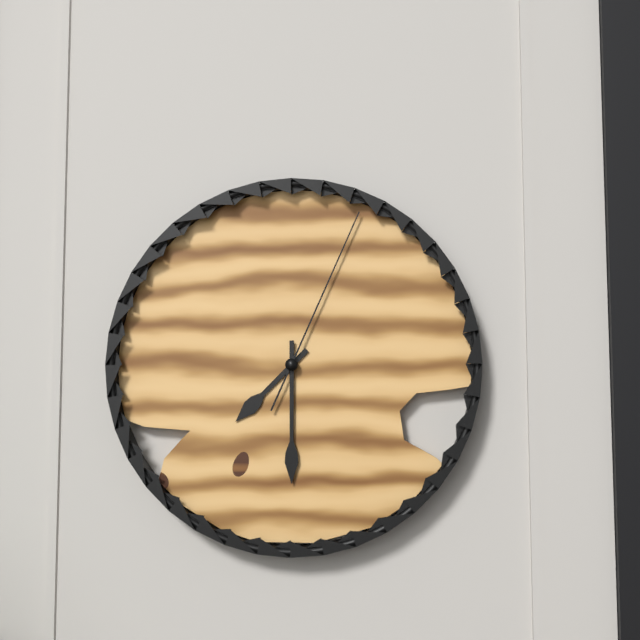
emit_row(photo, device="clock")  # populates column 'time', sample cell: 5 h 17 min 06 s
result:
7 h 30 min 04 s
